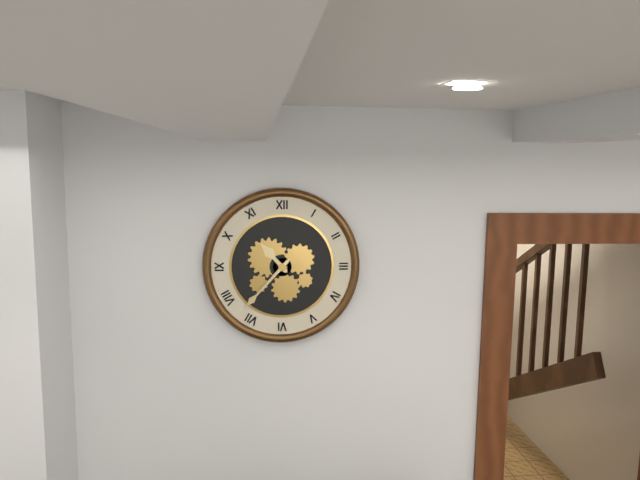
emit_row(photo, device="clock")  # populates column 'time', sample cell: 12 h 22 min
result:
10 h 37 min
